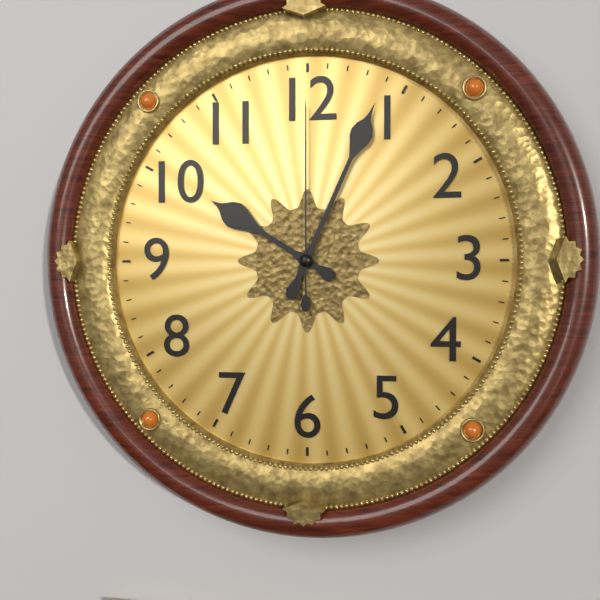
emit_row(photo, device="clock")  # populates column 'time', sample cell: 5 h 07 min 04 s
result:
10 h 04 min 00 s
